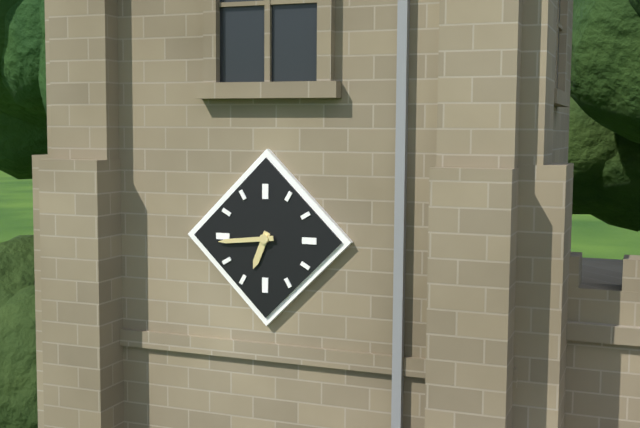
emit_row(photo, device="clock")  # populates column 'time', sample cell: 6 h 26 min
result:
6 h 44 min
